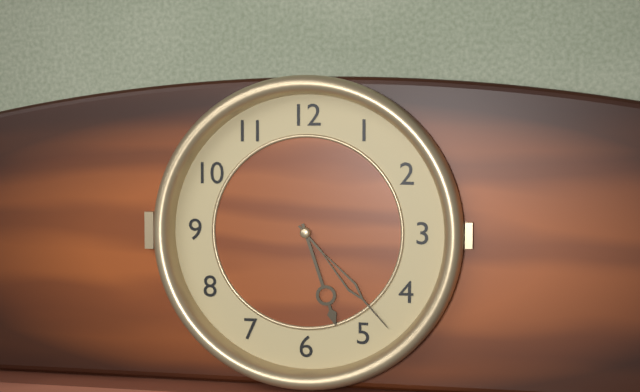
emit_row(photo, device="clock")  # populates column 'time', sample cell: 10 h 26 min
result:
5 h 23 min
